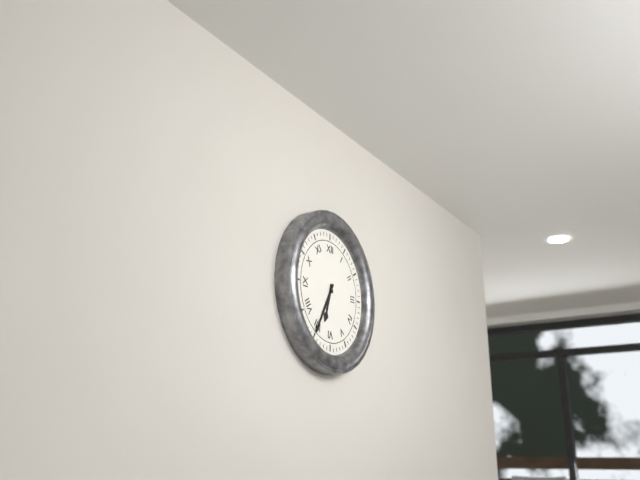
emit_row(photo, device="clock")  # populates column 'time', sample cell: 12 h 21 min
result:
6 h 35 min
